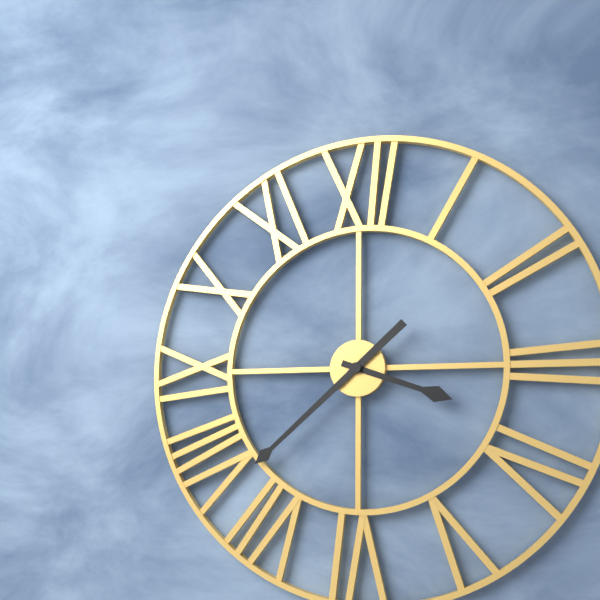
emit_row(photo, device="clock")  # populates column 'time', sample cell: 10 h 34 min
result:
3 h 38 min
